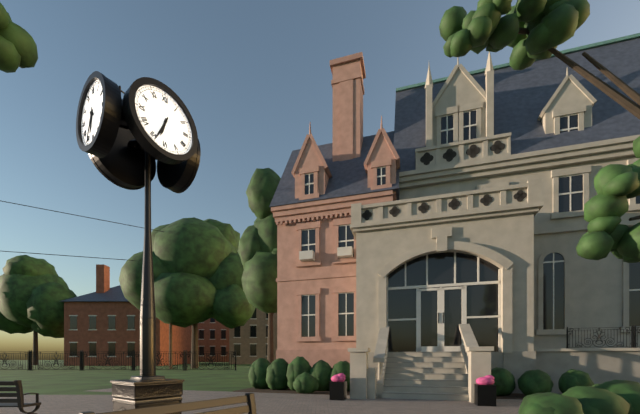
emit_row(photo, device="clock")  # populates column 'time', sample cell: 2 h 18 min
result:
6 h 34 min
